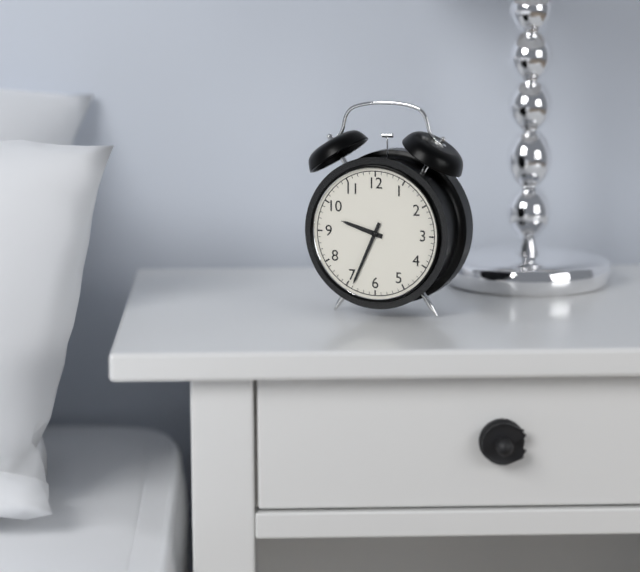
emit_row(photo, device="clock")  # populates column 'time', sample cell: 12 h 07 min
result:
9 h 34 min
